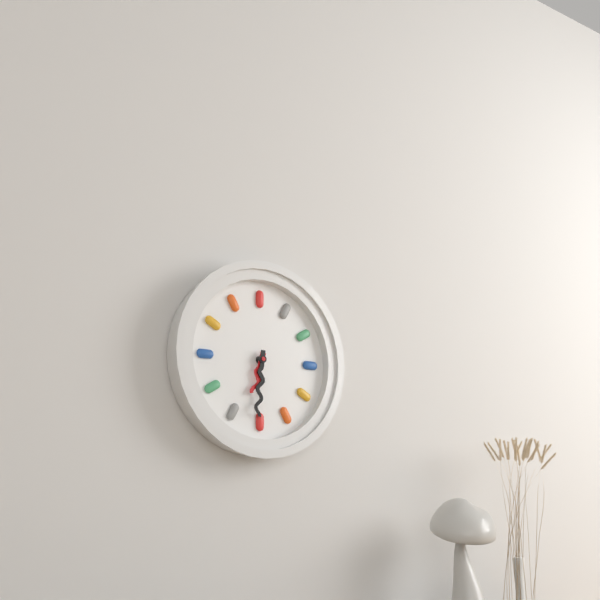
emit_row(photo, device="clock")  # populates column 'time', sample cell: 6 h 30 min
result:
6 h 31 min
